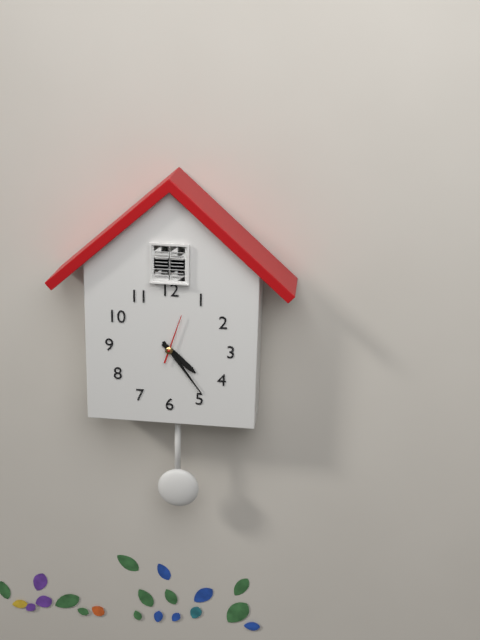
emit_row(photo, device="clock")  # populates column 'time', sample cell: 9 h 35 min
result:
4 h 24 min
